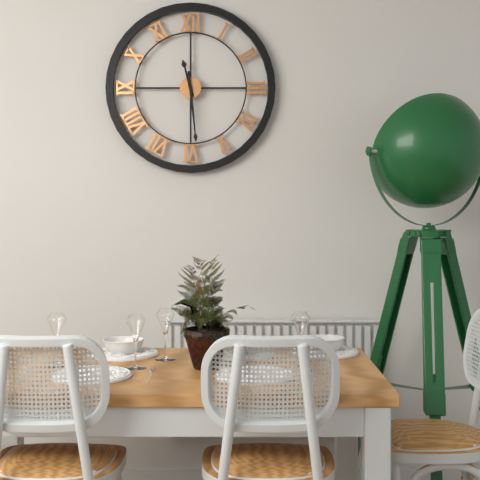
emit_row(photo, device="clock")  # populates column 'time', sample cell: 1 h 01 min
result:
11 h 29 min
